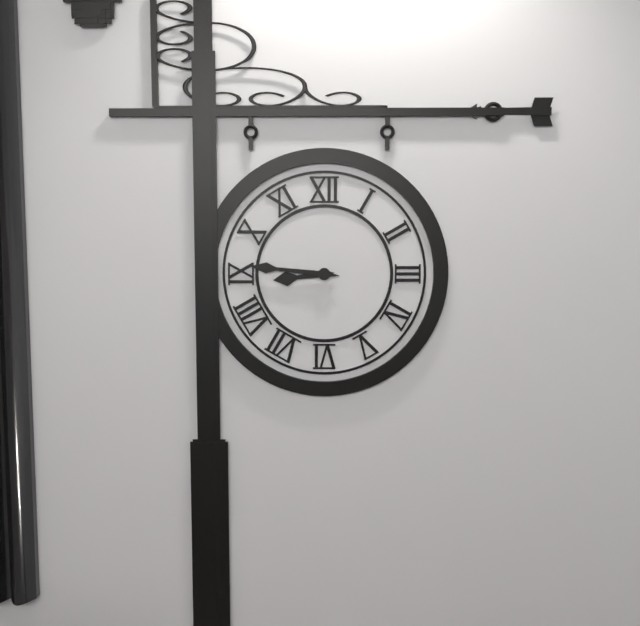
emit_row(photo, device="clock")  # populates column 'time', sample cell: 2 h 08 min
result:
8 h 46 min
